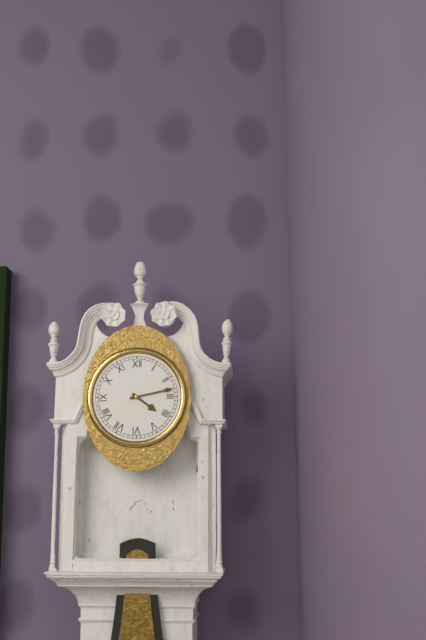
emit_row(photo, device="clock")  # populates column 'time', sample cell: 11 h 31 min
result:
4 h 13 min
